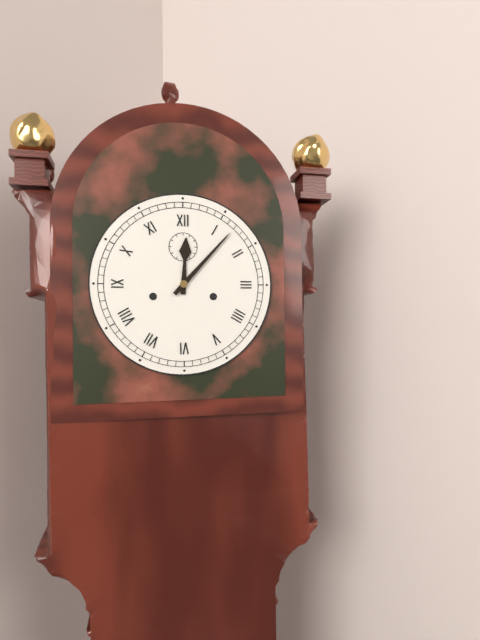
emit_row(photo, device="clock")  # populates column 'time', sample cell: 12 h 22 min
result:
12 h 07 min
